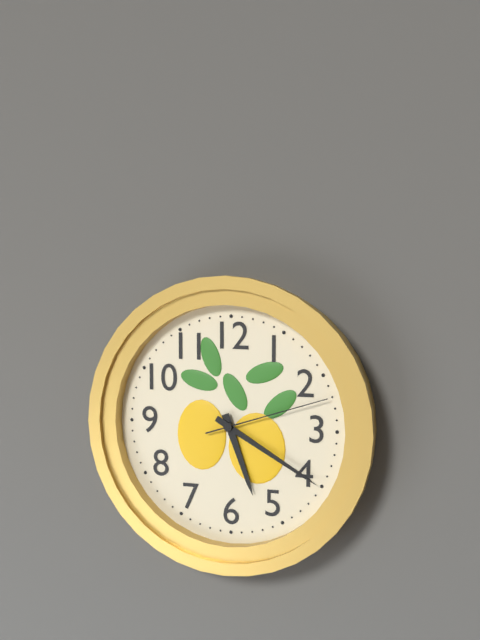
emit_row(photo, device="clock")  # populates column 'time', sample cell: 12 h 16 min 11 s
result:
5 h 20 min 12 s
